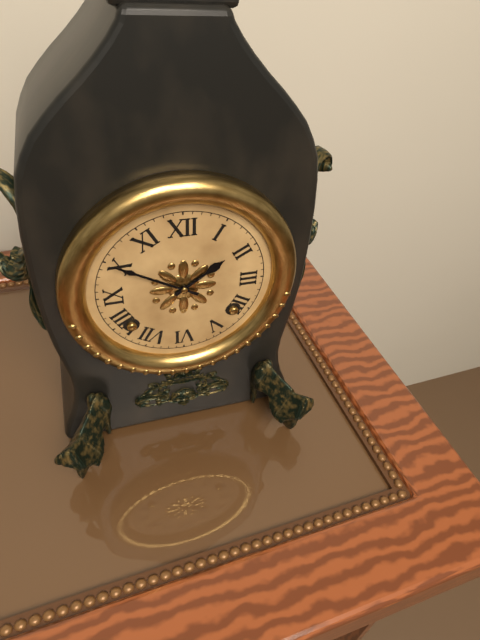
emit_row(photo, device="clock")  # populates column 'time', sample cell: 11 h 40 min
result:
1 h 50 min
